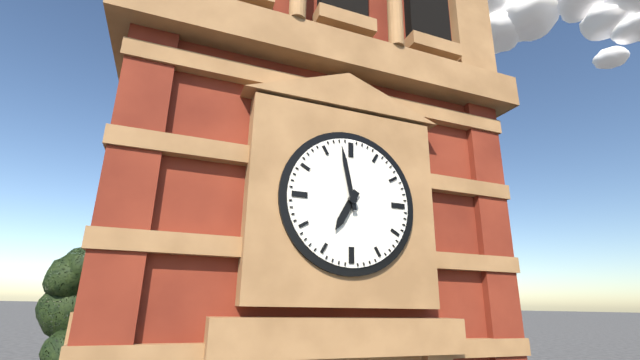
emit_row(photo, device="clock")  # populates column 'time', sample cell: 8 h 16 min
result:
6 h 58 min
